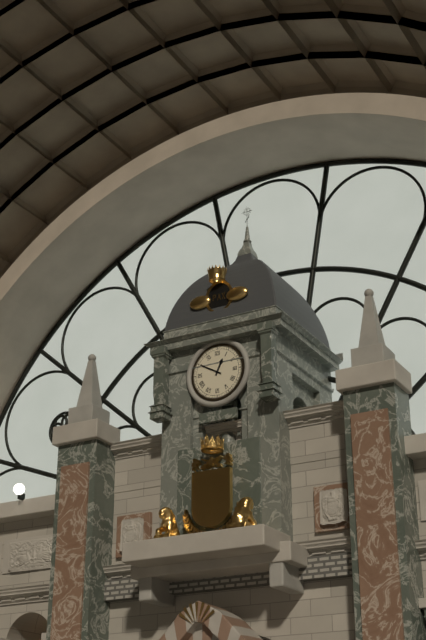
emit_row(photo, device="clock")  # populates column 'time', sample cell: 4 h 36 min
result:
12 h 50 min
